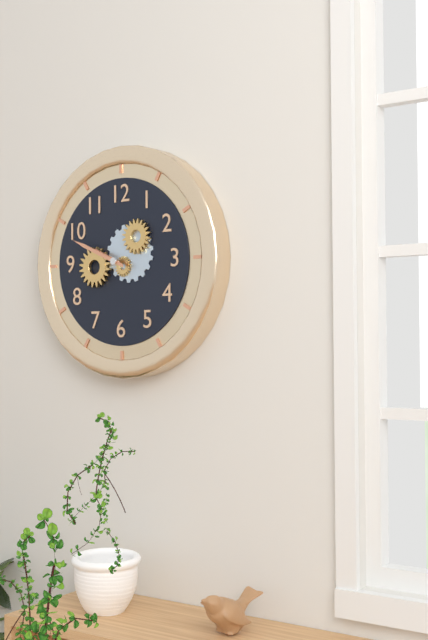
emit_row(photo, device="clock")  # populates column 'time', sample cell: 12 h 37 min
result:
9 h 49 min
